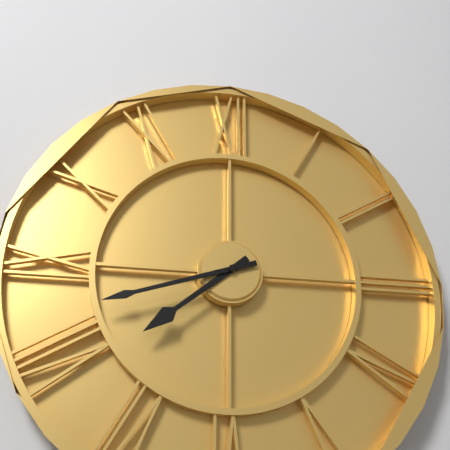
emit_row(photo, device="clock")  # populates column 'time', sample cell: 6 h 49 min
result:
7 h 42 min
